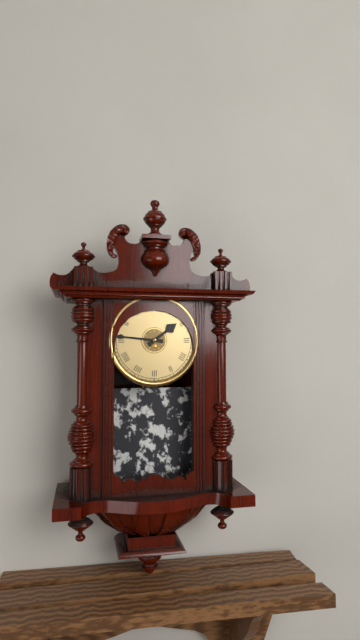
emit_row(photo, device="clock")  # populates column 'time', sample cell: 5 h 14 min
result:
1 h 46 min
